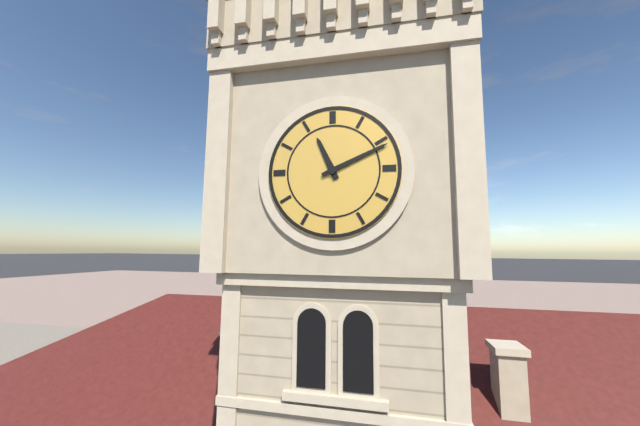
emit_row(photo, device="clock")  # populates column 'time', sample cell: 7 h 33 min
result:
11 h 11 min
